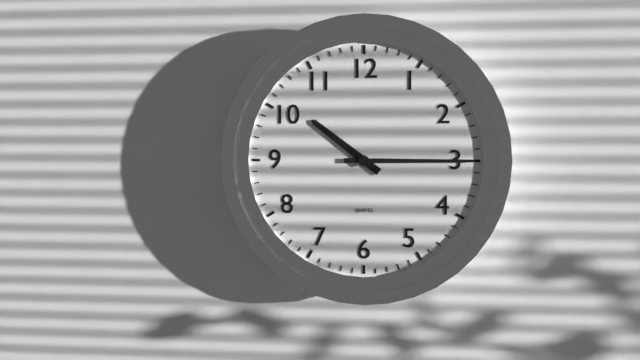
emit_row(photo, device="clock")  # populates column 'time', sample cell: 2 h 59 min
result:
10 h 15 min
